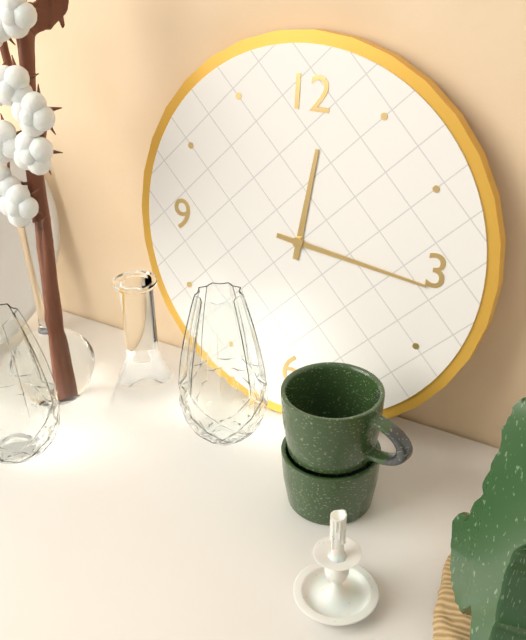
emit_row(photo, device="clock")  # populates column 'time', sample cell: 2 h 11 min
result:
12 h 16 min
